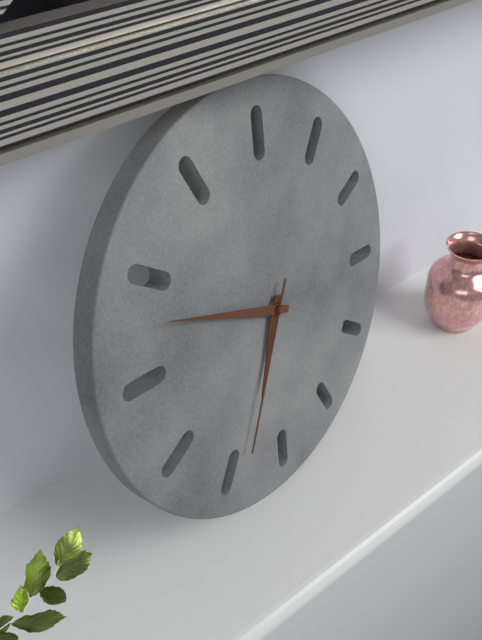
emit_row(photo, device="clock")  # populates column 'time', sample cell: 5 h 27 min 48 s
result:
5 h 43 min 29 s
